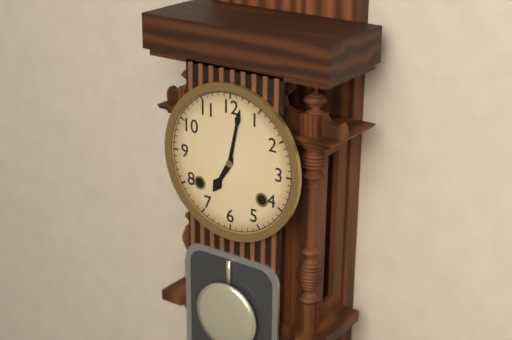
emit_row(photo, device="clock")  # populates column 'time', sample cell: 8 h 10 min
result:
7 h 02 min
